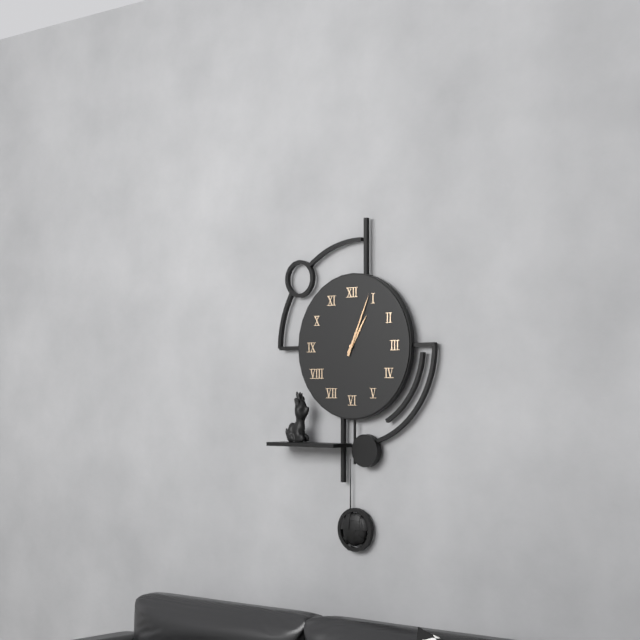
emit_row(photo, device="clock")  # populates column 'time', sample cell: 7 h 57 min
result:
1 h 04 min
